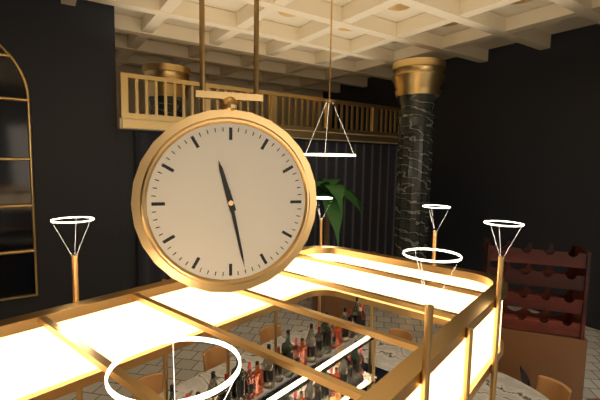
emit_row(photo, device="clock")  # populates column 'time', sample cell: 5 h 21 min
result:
11 h 28 min
